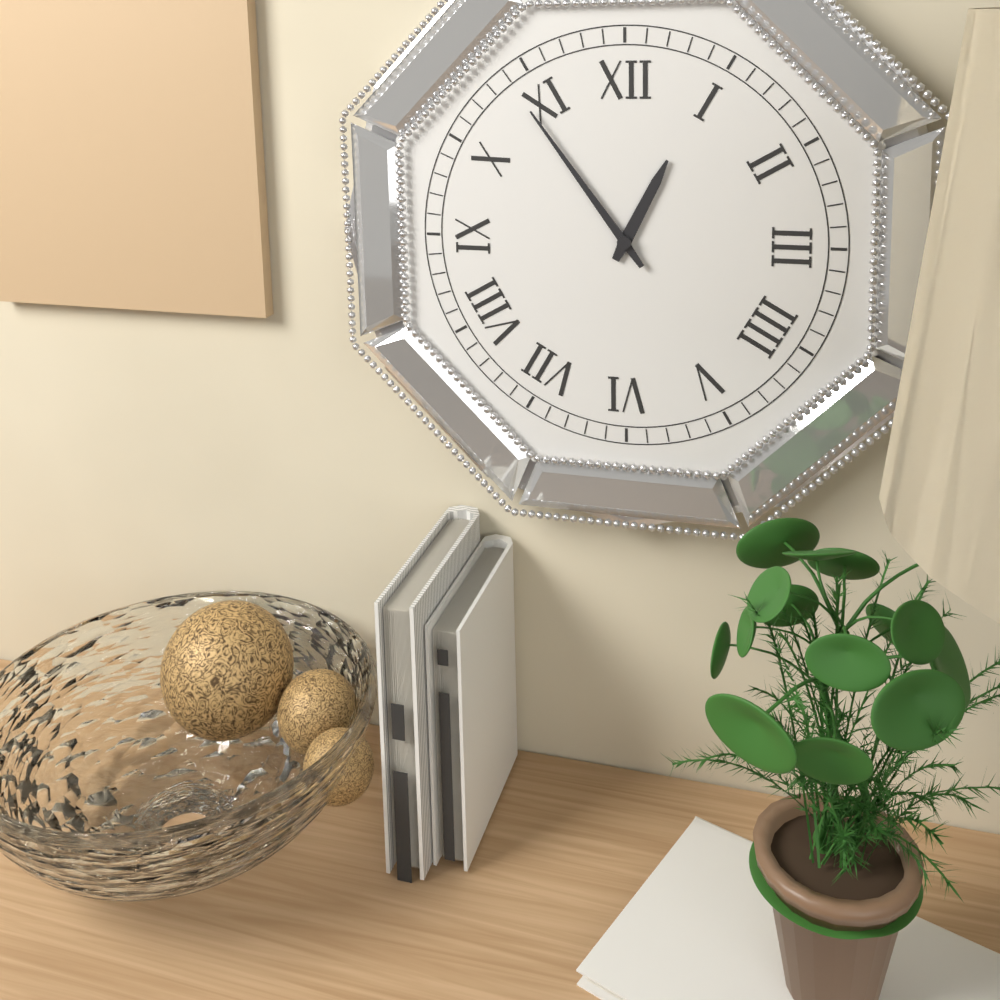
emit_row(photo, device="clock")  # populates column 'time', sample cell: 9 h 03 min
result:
12 h 54 min
